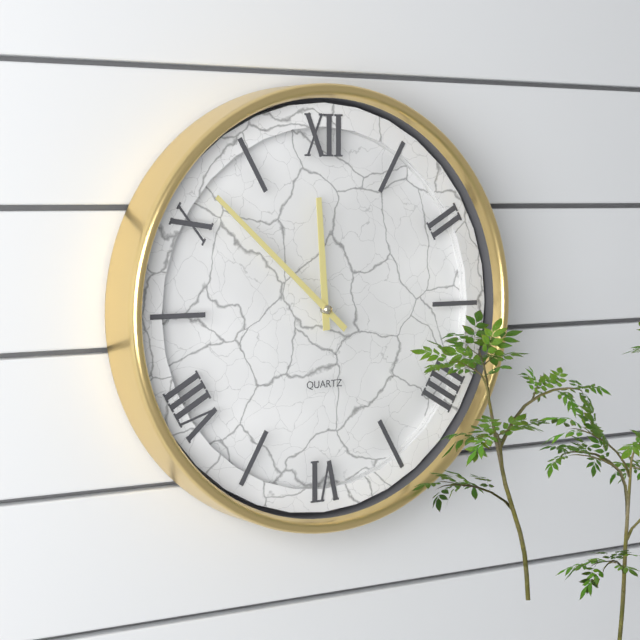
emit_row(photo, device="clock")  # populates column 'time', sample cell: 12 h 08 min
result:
11 h 52 min
